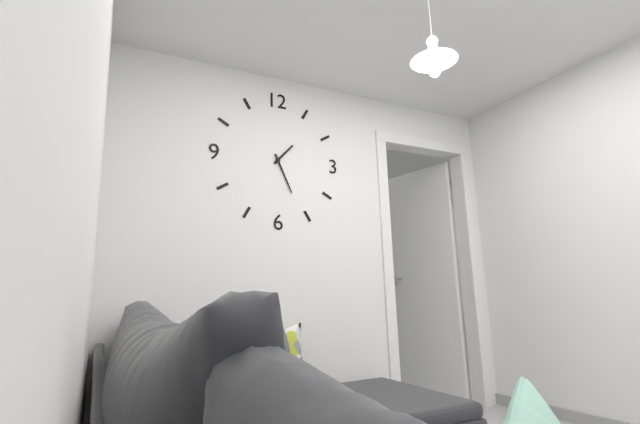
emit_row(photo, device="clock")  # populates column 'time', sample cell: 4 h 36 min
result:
1 h 26 min
